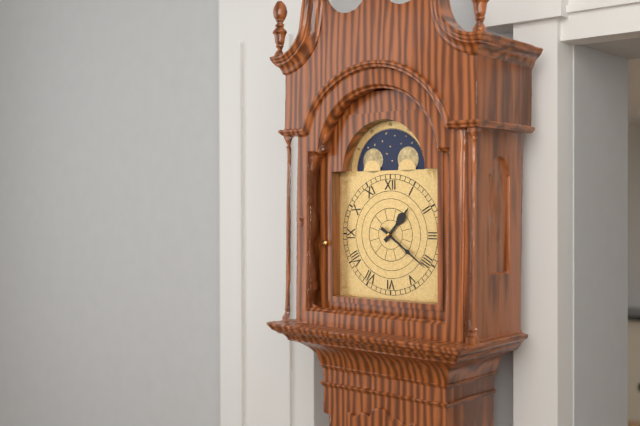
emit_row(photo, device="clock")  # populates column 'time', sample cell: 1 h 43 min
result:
1 h 21 min
